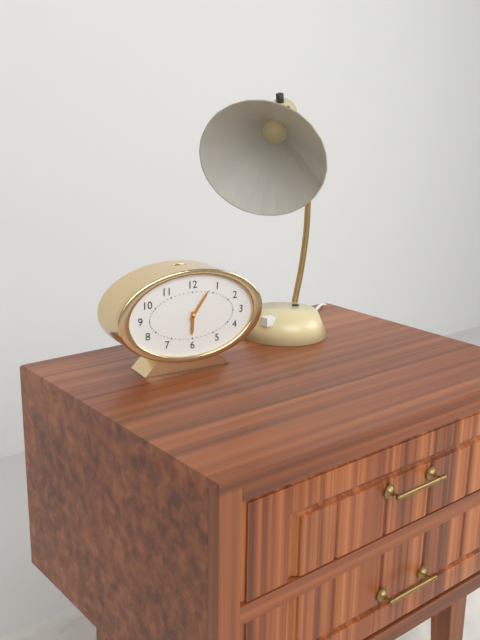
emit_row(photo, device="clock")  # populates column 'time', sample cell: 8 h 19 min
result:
6 h 06 min
